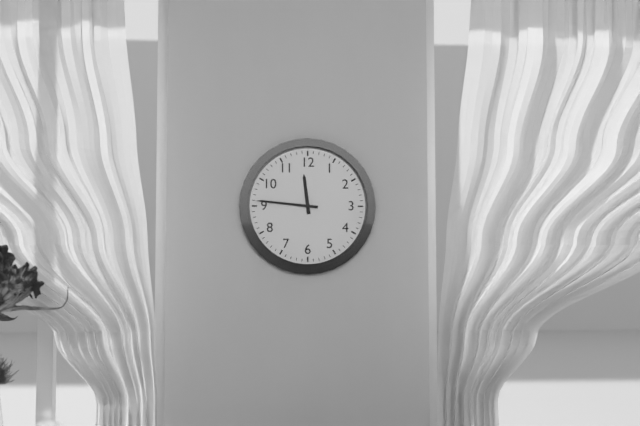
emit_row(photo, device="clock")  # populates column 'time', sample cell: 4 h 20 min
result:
11 h 46 min
